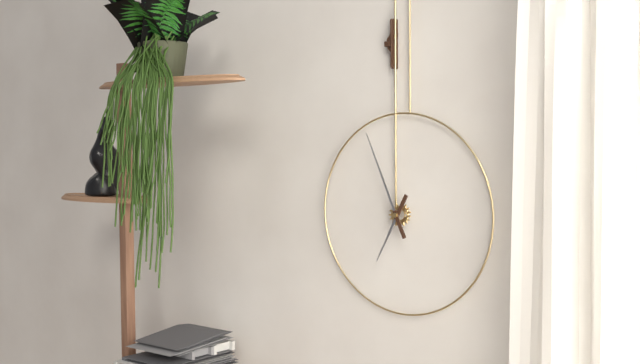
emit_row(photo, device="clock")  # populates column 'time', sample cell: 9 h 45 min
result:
6 h 56 min
